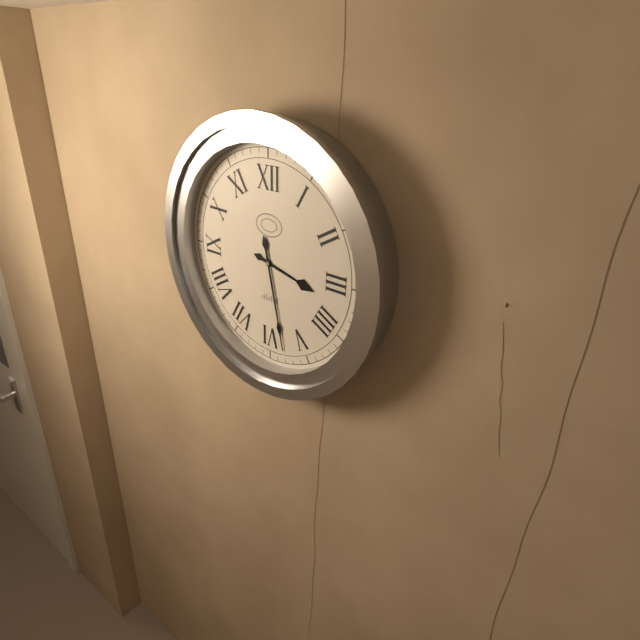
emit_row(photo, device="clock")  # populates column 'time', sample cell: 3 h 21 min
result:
3 h 28 min
